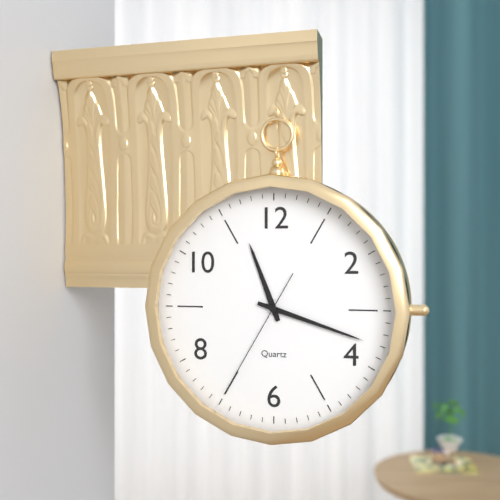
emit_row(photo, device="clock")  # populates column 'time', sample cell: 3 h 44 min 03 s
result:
11 h 18 min 35 s
